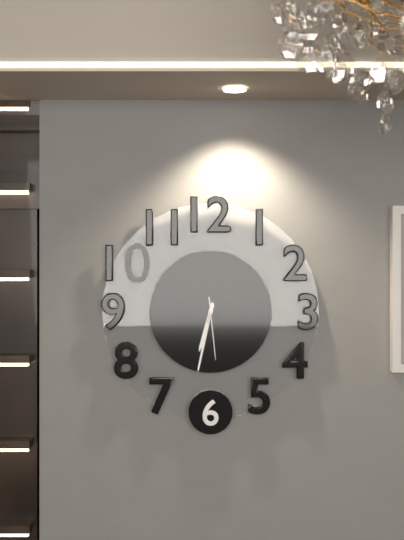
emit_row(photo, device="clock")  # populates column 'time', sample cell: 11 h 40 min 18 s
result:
6 h 32 min 29 s
